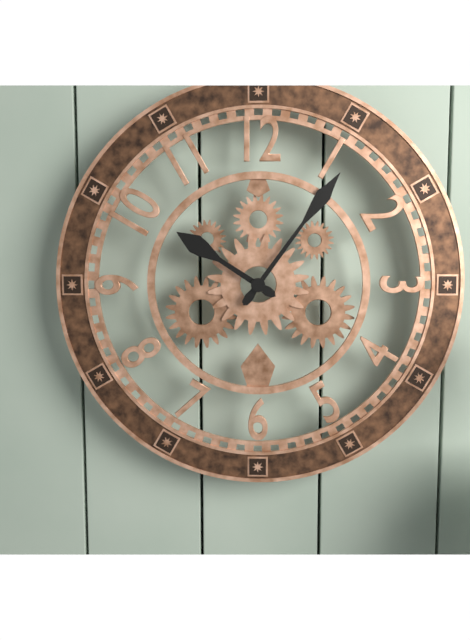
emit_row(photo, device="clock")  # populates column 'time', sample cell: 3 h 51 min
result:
10 h 06 min
